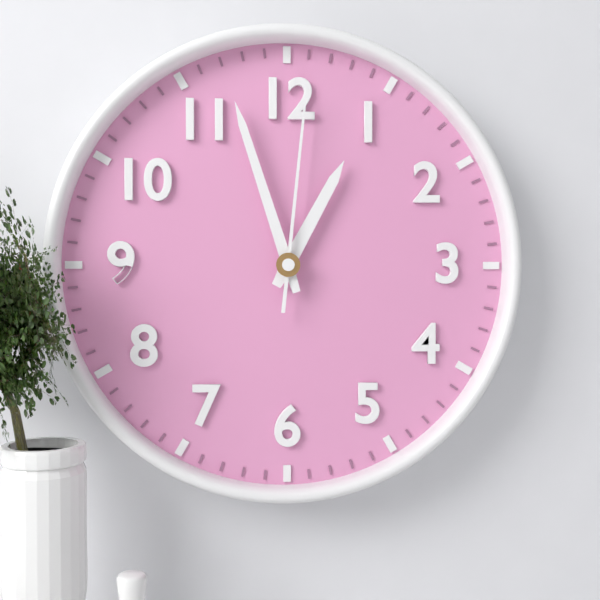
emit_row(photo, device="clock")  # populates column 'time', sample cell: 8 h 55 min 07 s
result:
12 h 57 min 01 s
